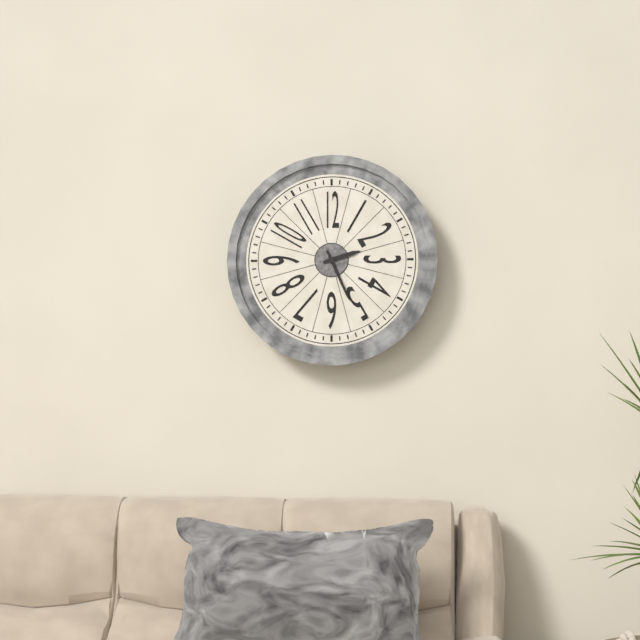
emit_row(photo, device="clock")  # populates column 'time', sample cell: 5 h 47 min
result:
2 h 26 min
